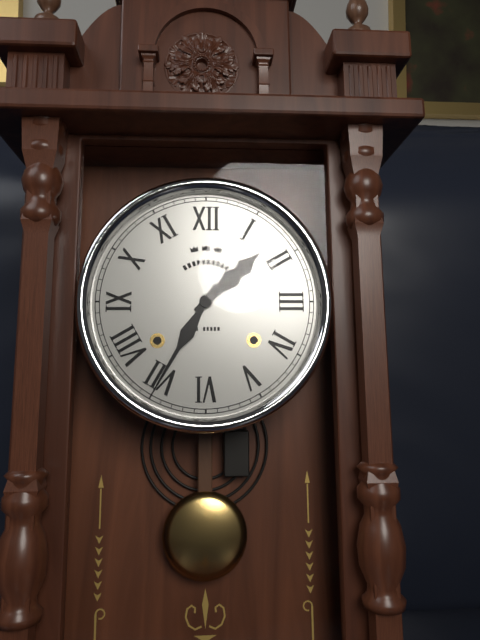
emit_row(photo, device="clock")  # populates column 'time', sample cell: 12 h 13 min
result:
1 h 35 min
